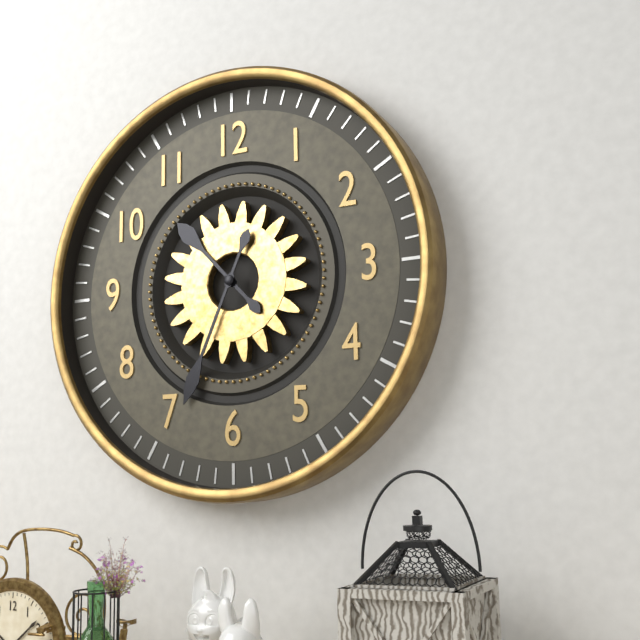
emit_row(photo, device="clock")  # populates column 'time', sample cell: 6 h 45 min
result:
10 h 34 min
